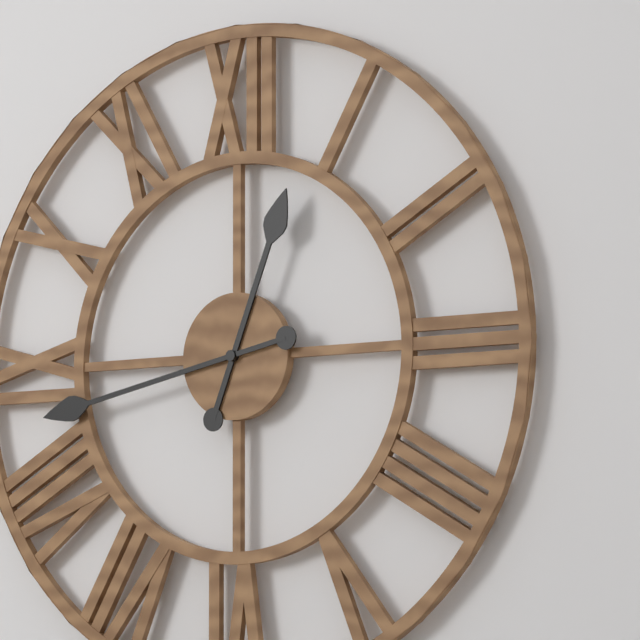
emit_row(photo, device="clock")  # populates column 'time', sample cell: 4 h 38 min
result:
12 h 43 min
